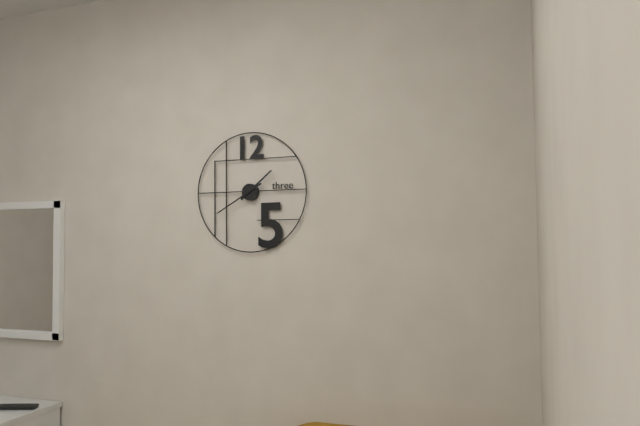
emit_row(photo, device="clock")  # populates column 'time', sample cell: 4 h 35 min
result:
1 h 40 min
